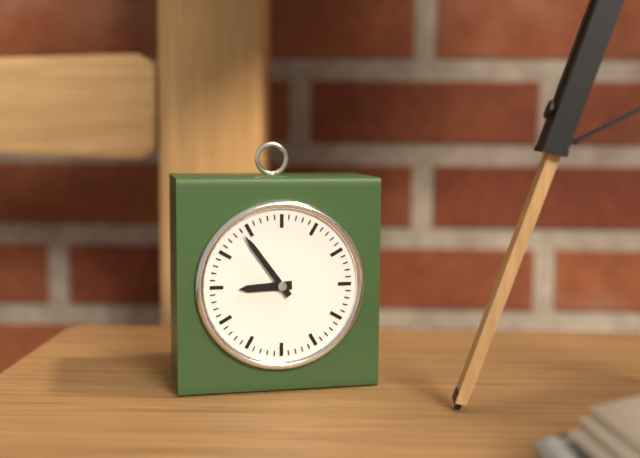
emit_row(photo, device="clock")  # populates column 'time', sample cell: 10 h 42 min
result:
8 h 54 min
